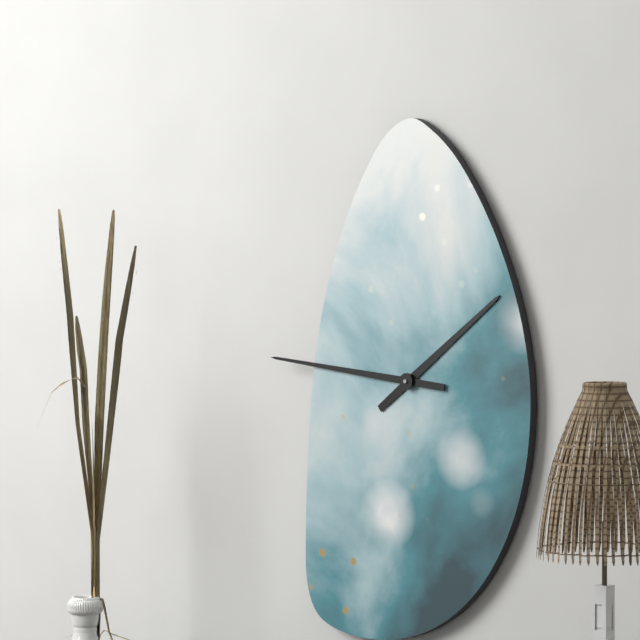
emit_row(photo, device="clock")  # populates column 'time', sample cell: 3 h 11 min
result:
1 h 46 min
